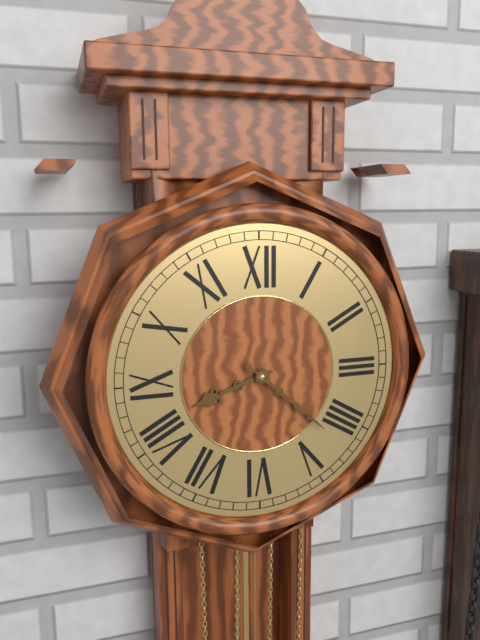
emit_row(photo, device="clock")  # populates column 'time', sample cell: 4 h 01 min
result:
8 h 22 min
